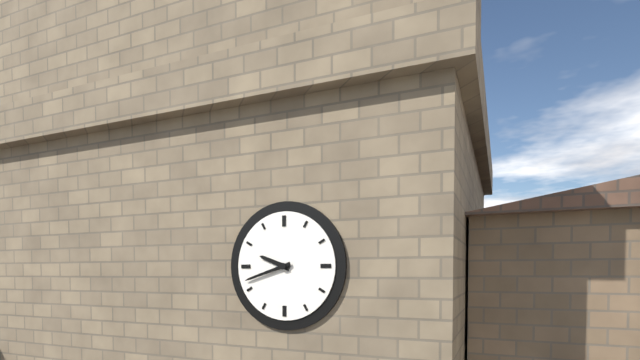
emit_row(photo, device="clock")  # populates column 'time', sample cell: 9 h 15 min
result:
9 h 42 min
